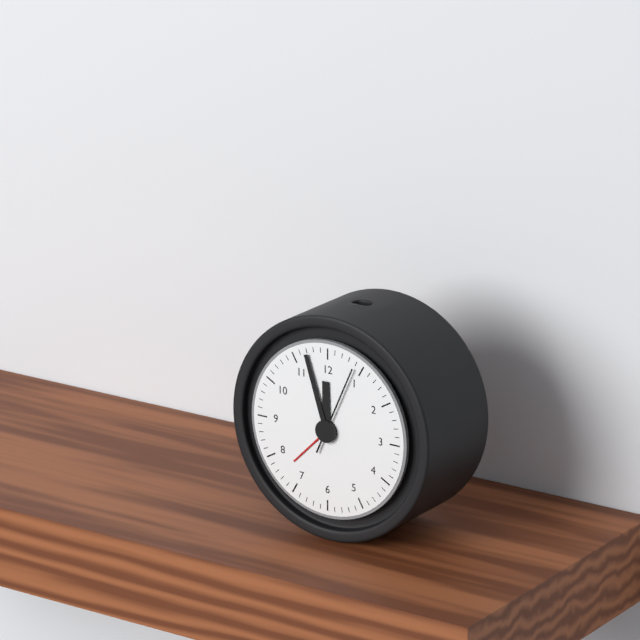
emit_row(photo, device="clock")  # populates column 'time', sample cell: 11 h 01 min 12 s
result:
11 h 57 min 04 s
